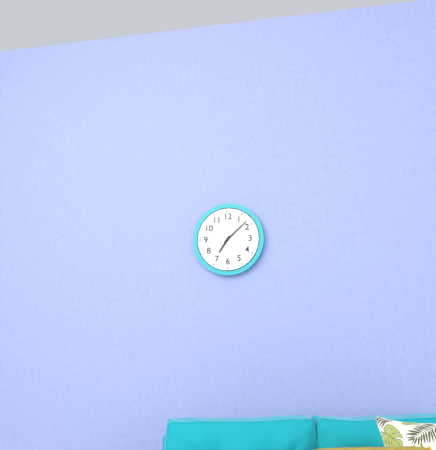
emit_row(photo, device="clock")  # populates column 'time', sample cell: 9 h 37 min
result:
7 h 08 min
